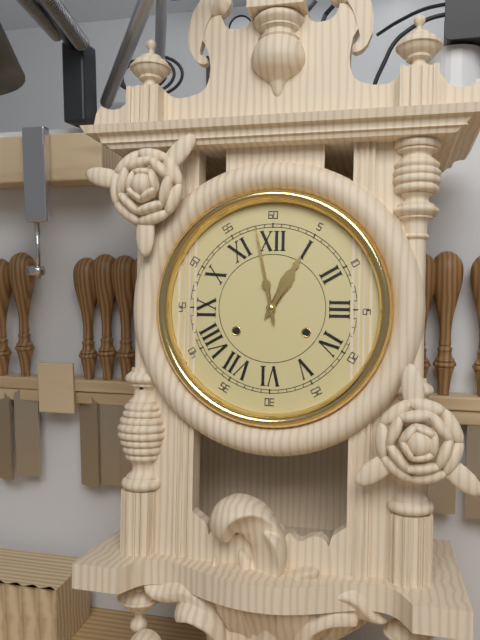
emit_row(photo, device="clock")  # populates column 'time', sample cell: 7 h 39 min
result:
12 h 58 min
